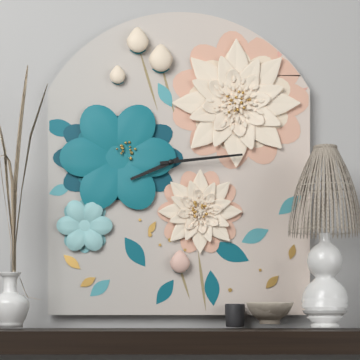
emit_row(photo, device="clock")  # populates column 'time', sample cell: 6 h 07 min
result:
8 h 14 min
